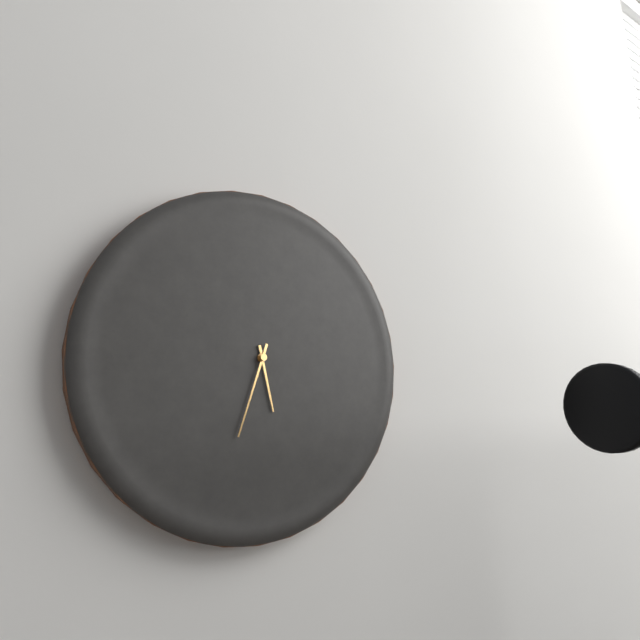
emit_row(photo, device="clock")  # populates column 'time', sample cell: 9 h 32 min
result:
5 h 33 min
